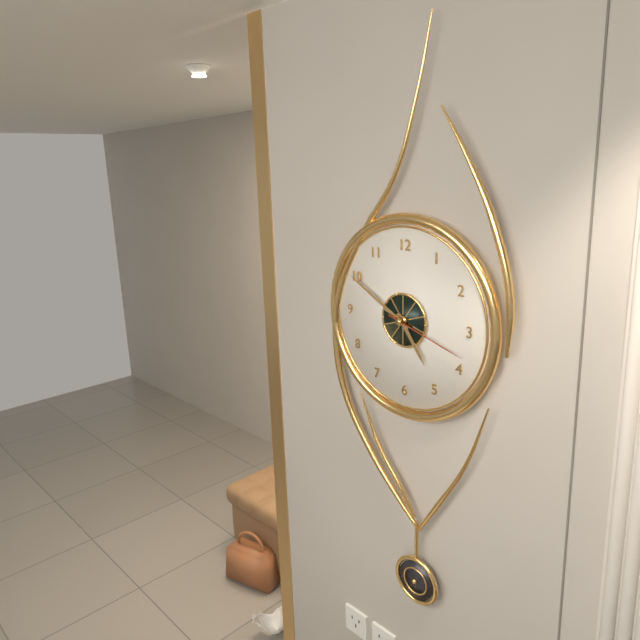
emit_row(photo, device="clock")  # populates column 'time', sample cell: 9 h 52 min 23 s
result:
4 h 50 min 18 s
